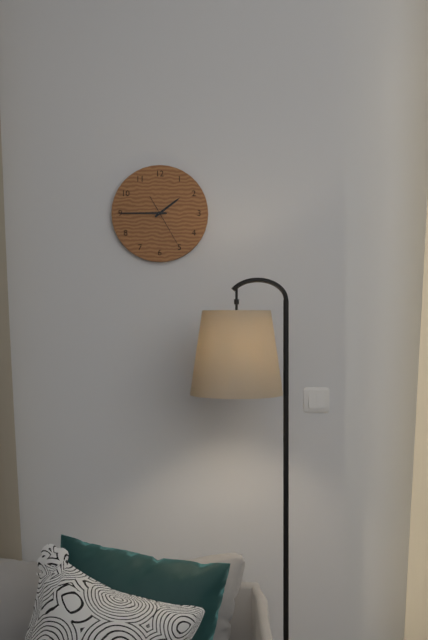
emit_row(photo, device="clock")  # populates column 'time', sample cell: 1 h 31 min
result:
1 h 45 min
